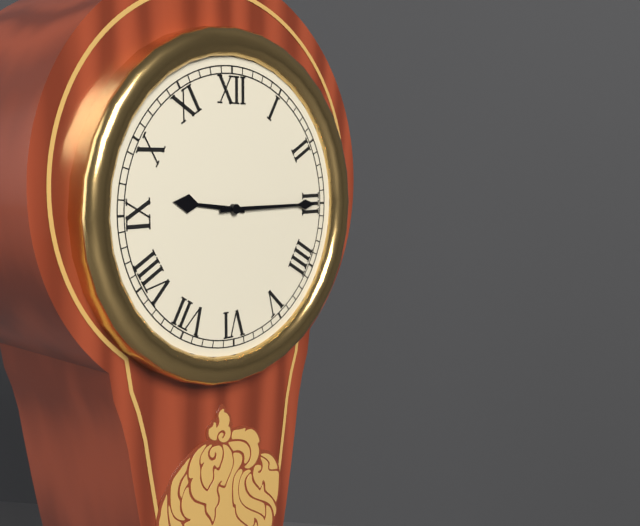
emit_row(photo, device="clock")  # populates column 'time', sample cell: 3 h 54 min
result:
9 h 15 min
